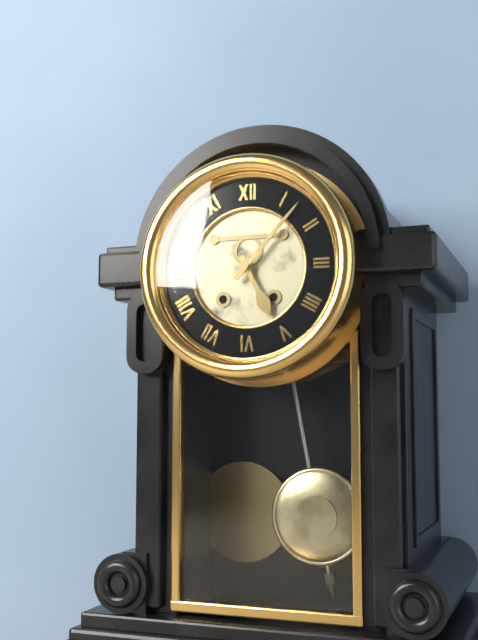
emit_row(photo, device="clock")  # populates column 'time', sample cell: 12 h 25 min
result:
5 h 07 min
